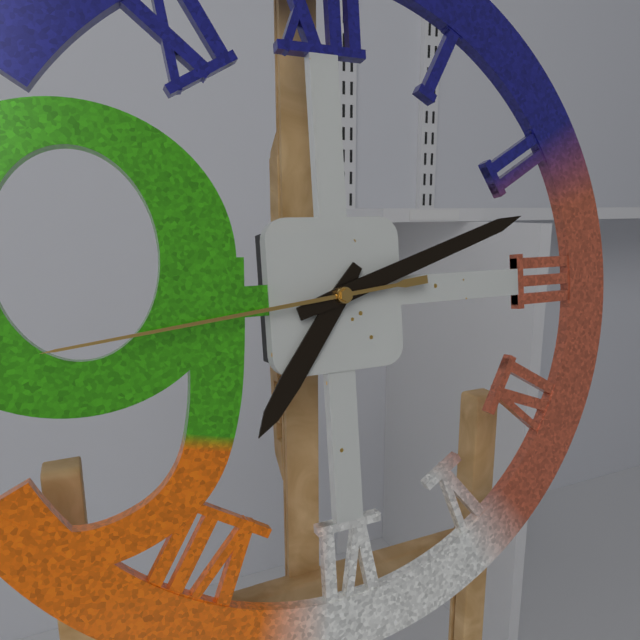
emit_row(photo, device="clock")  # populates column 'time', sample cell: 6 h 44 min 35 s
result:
7 h 12 min 44 s
